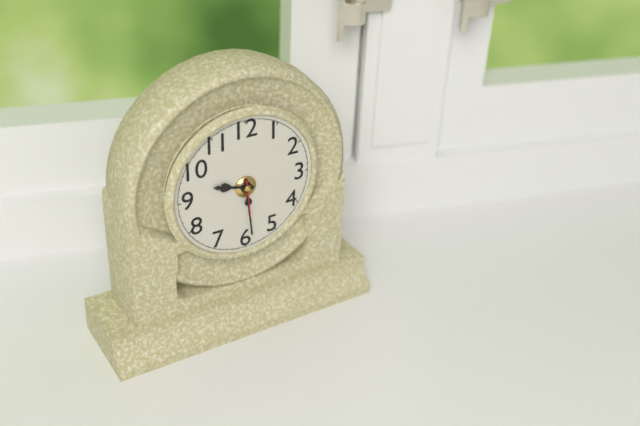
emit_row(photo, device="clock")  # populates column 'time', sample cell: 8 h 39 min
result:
9 h 29 min
